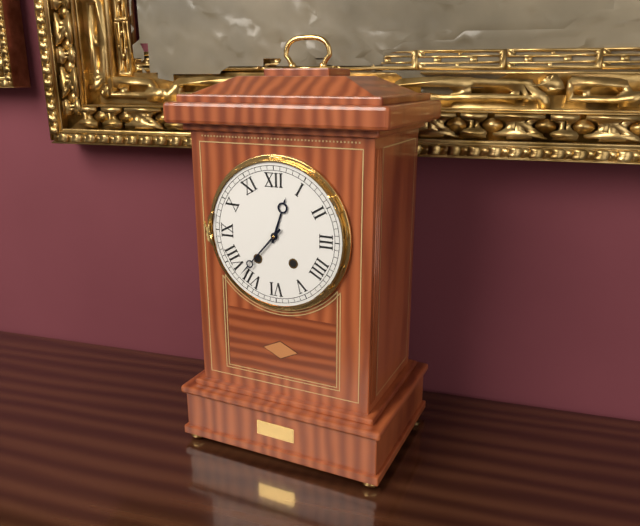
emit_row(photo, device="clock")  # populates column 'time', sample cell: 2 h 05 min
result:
12 h 37 min
